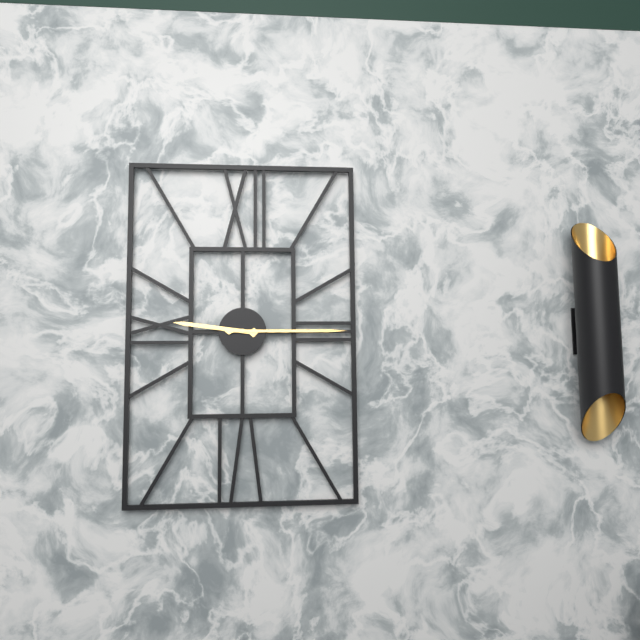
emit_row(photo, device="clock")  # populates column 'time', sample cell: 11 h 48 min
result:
9 h 15 min
